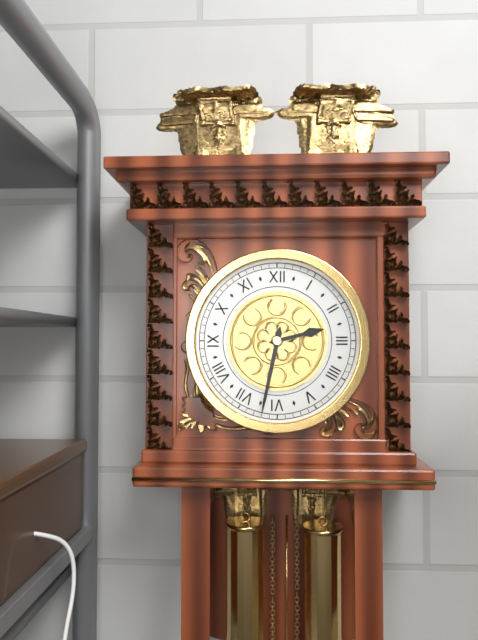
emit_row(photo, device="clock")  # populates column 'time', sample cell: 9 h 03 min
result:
2 h 32 min
